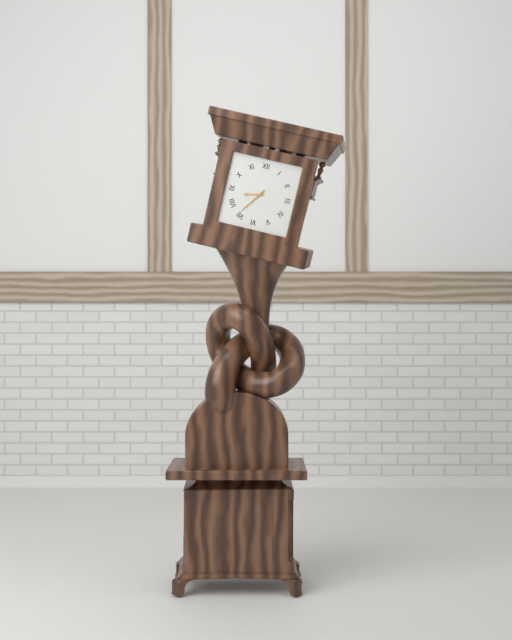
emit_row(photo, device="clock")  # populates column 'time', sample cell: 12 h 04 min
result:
8 h 36 min
